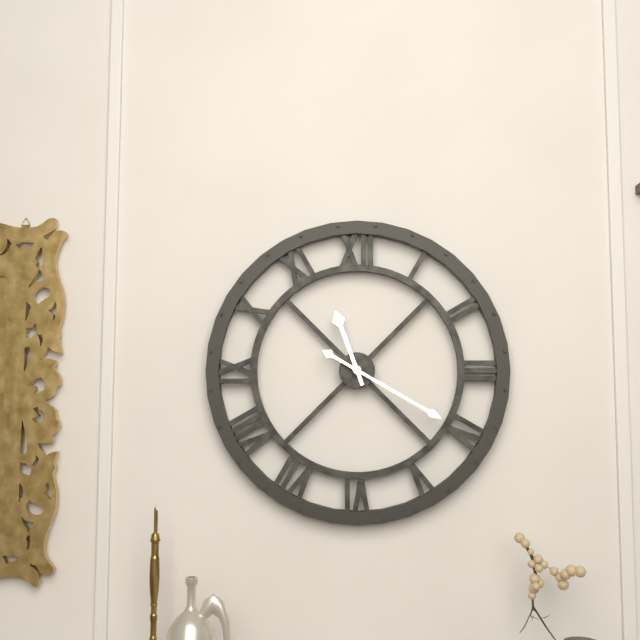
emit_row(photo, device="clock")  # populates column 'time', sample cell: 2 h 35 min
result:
11 h 20 min
